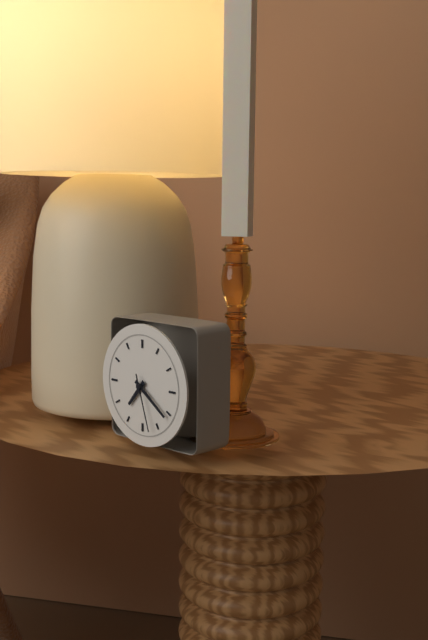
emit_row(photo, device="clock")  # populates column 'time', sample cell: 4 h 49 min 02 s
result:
7 h 21 min 27 s
